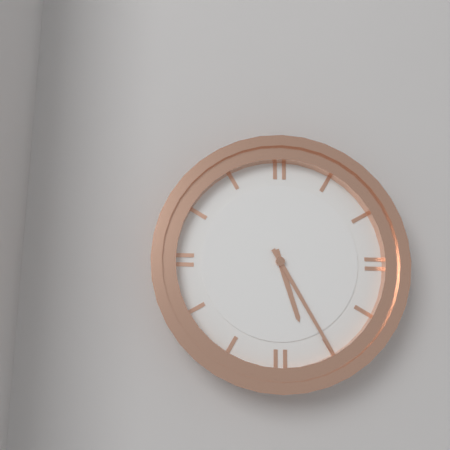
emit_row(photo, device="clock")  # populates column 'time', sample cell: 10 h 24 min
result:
5 h 25 min
